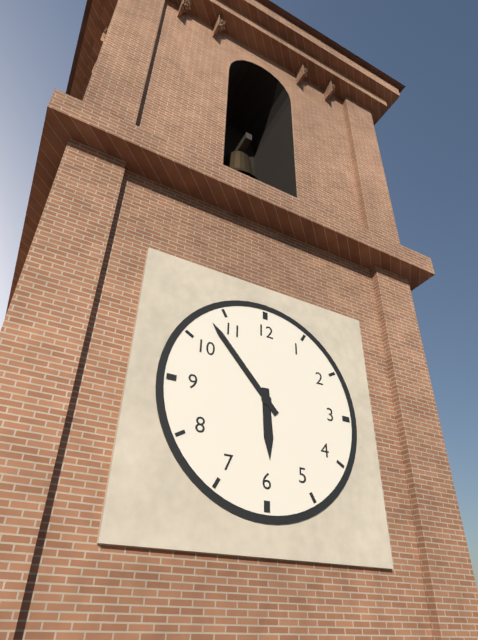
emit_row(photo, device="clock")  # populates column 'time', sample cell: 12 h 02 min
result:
5 h 53 min
